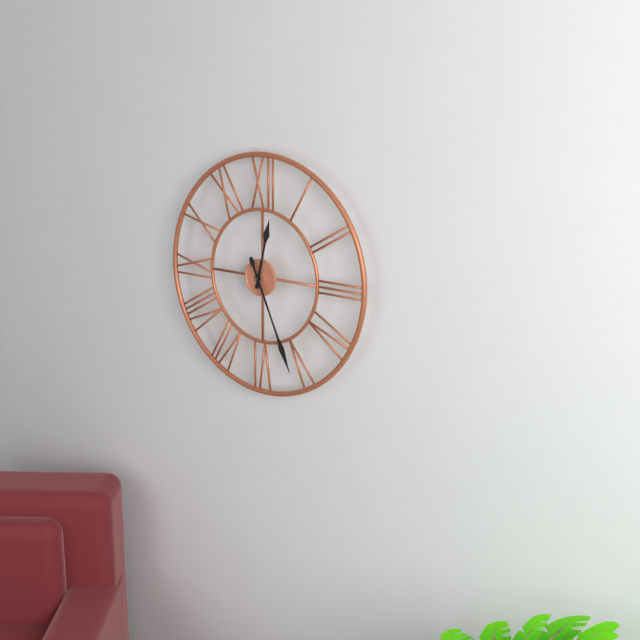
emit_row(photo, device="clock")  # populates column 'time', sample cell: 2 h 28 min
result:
12 h 26 min
